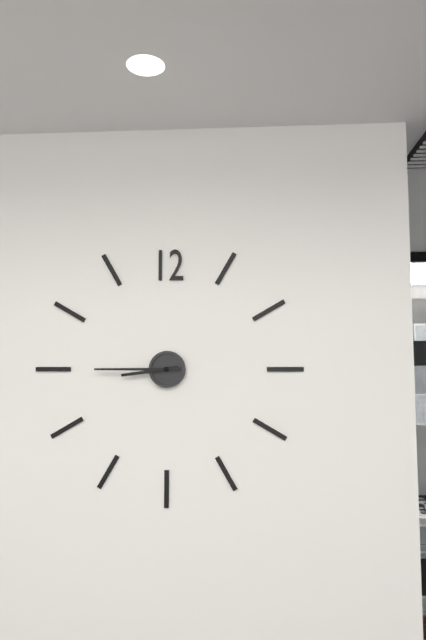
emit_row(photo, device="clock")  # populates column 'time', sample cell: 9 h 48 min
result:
8 h 45 min
